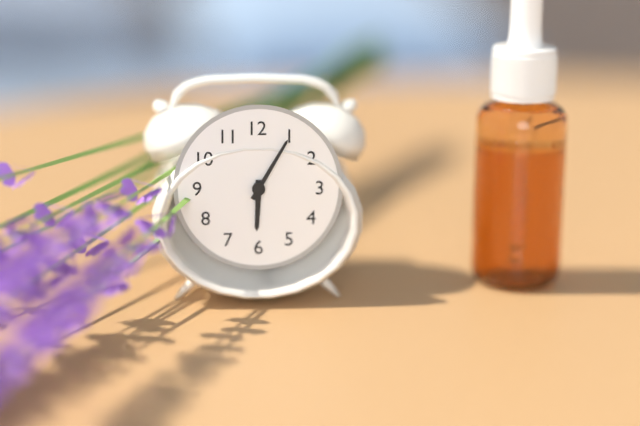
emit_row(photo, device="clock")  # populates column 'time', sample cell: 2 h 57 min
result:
6 h 05 min
